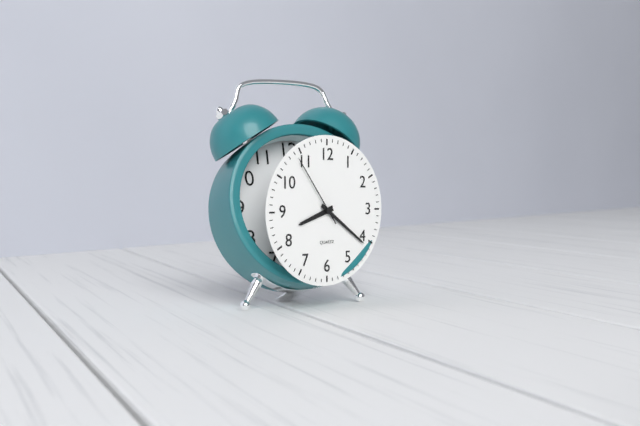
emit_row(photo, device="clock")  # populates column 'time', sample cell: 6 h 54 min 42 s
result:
8 h 21 min 54 s
